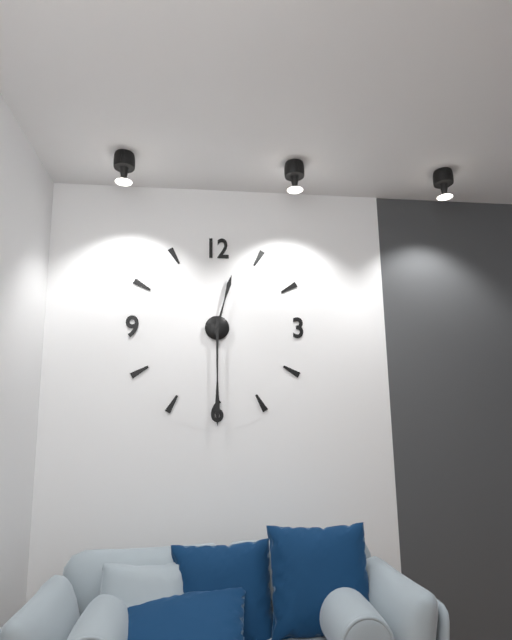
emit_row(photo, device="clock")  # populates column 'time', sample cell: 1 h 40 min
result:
12 h 30 min
